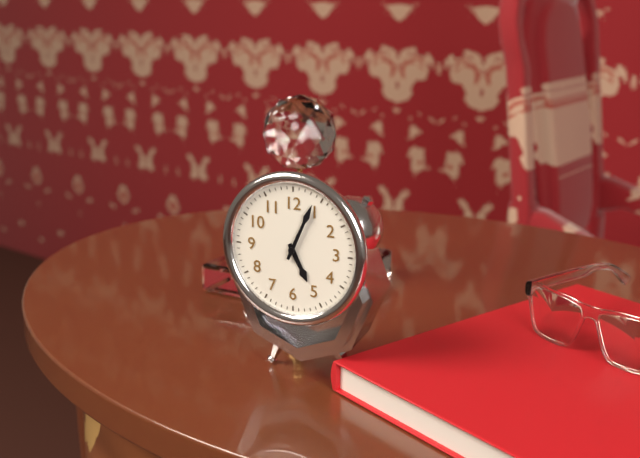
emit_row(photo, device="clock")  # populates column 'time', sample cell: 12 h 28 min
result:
5 h 04 min
